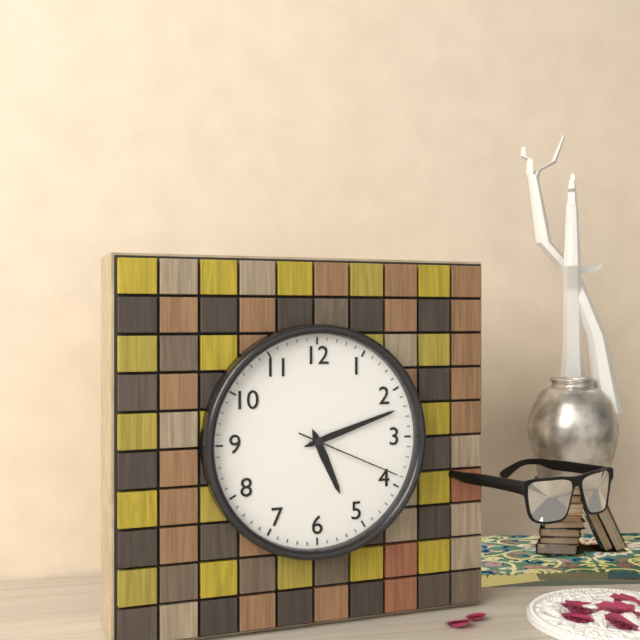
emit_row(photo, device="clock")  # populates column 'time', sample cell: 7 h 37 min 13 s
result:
5 h 12 min 19 s
